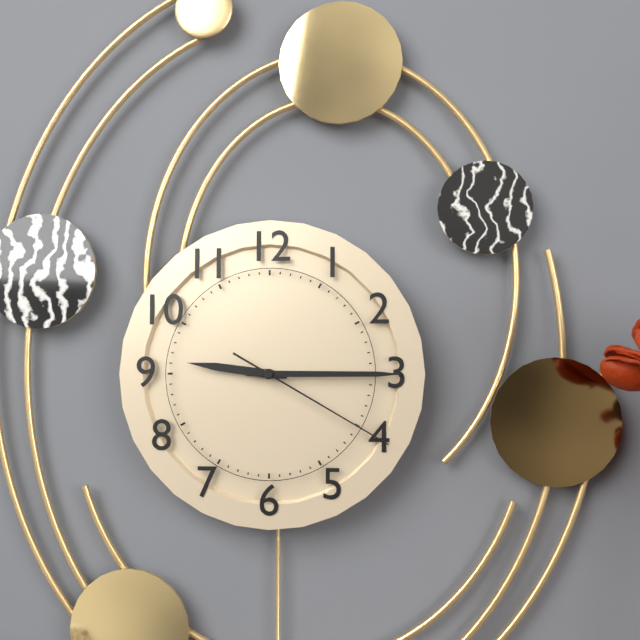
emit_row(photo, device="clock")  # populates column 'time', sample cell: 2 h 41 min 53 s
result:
9 h 15 min 20 s
